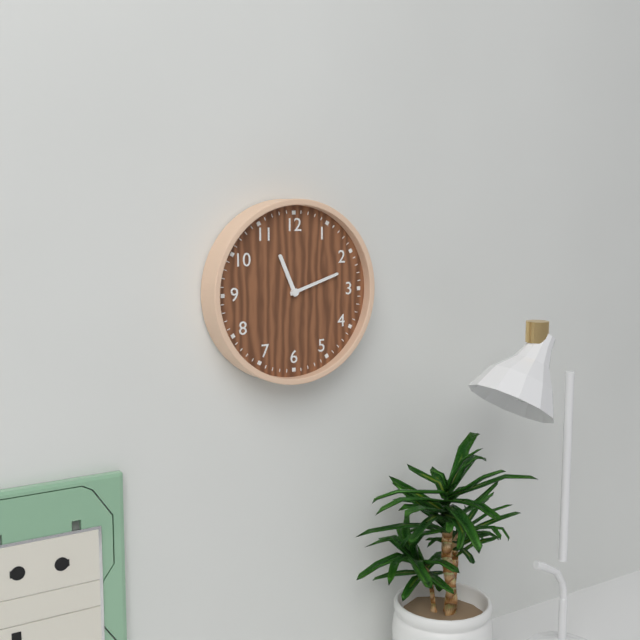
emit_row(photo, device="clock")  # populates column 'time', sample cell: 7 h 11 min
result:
11 h 12 min
